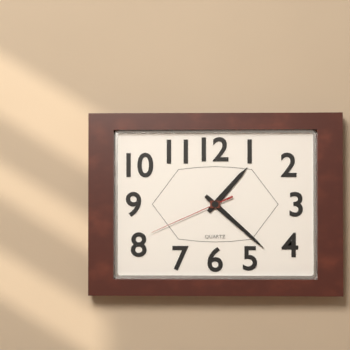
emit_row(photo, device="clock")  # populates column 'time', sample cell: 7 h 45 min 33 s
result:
1 h 22 min 41 s
